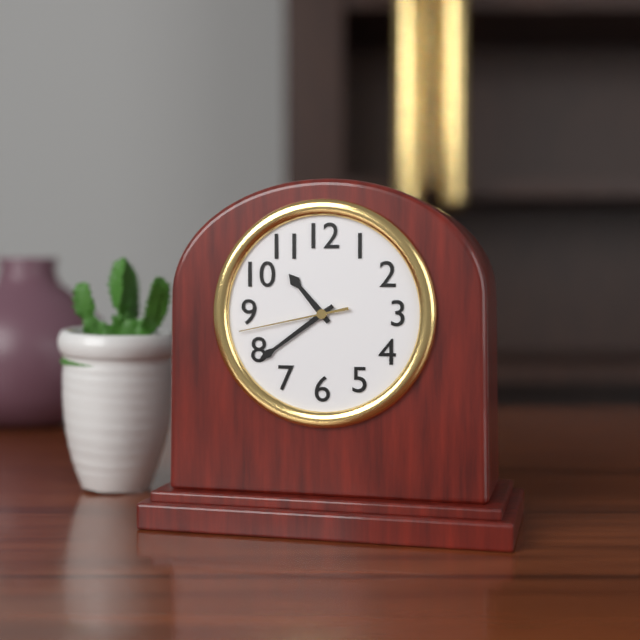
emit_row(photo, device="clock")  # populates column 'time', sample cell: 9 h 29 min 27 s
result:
10 h 39 min 43 s
